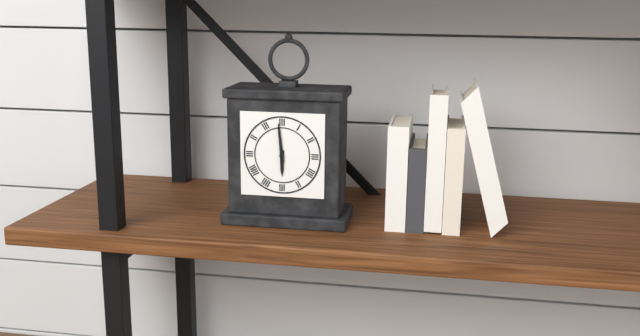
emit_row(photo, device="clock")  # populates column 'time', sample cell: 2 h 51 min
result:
5 h 59 min
